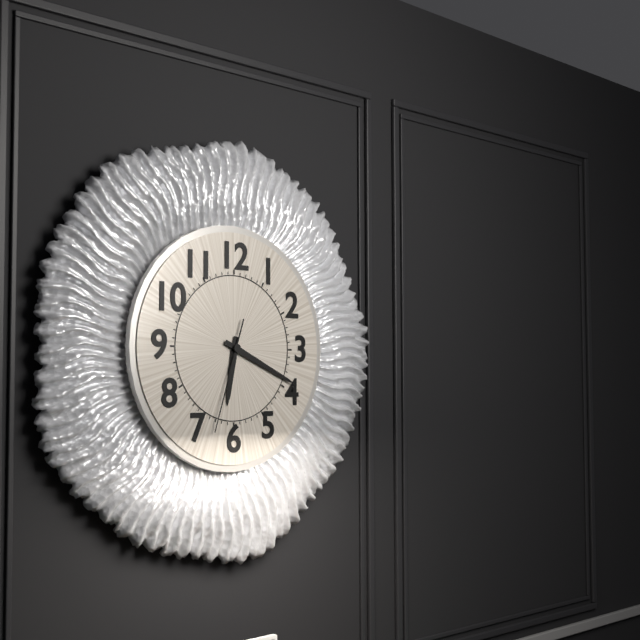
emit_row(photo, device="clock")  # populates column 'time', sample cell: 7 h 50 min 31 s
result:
6 h 19 min 33 s
